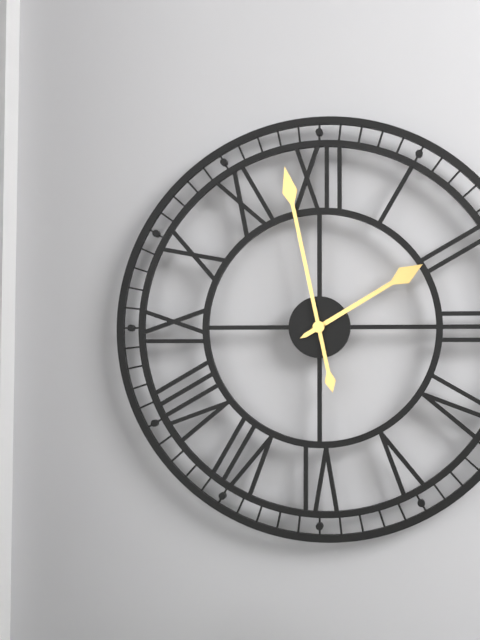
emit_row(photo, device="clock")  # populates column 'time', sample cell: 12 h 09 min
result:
1 h 58 min
